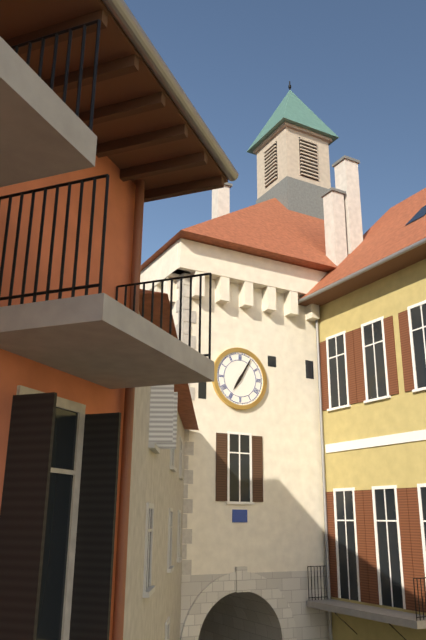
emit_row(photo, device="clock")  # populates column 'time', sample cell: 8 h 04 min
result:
7 h 05 min
